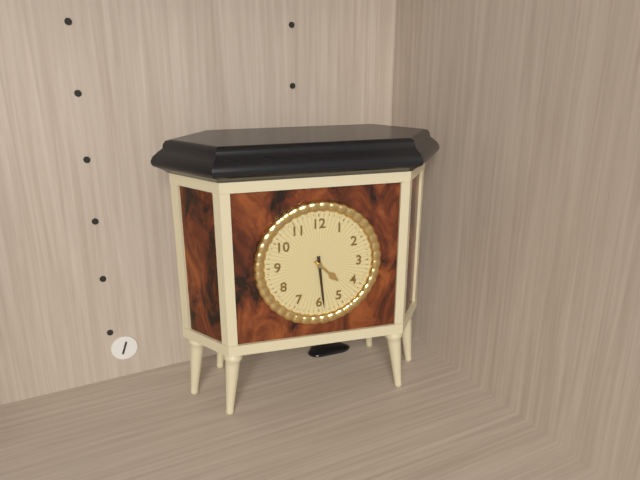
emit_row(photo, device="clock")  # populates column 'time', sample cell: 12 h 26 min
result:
4 h 29 min
